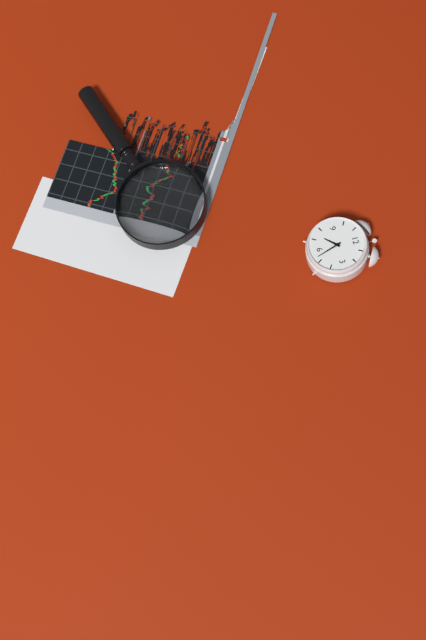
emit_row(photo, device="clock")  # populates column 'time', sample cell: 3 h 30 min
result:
7 h 27 min
